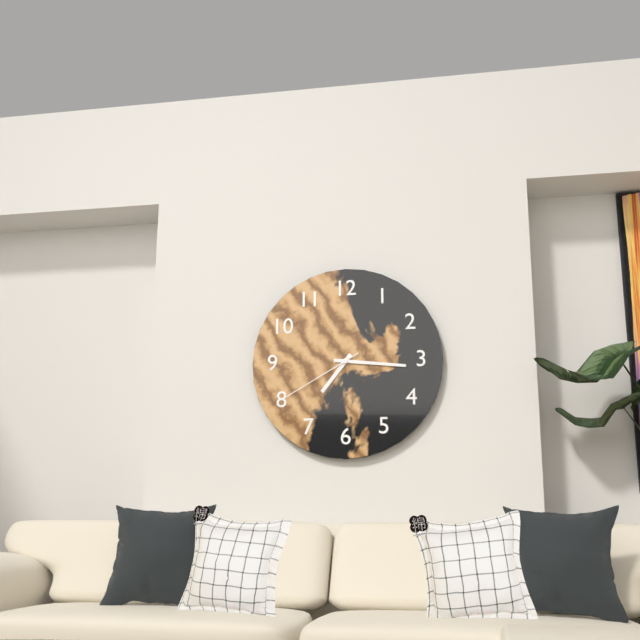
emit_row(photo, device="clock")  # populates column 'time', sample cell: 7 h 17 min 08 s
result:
7 h 16 min 40 s
